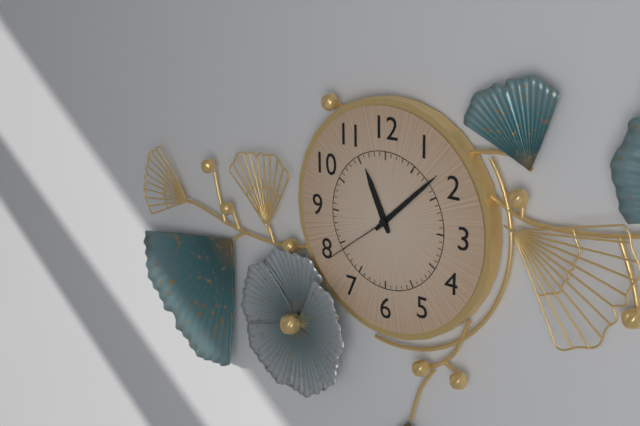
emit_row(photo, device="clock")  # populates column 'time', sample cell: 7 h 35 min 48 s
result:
11 h 08 min 39 s
